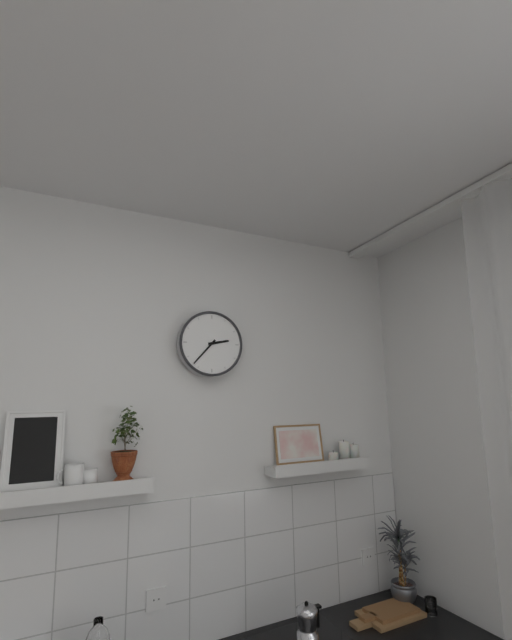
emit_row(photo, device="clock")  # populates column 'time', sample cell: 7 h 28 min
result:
2 h 37 min
